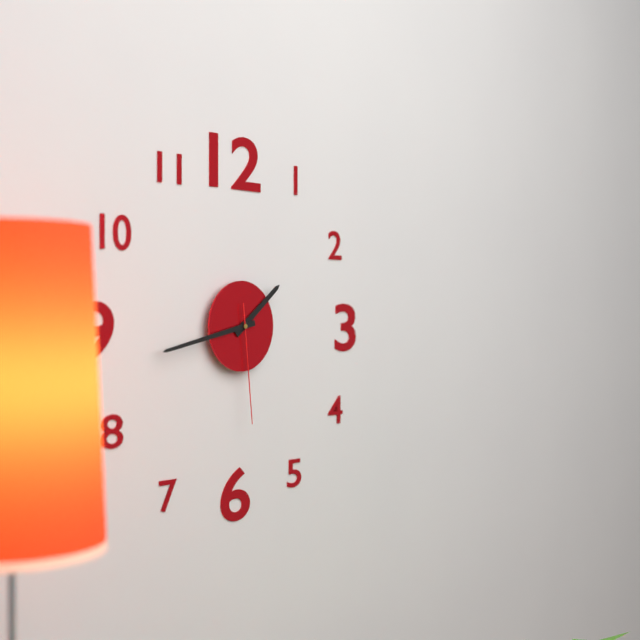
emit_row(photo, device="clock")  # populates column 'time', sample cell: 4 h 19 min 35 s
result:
1 h 43 min 29 s
